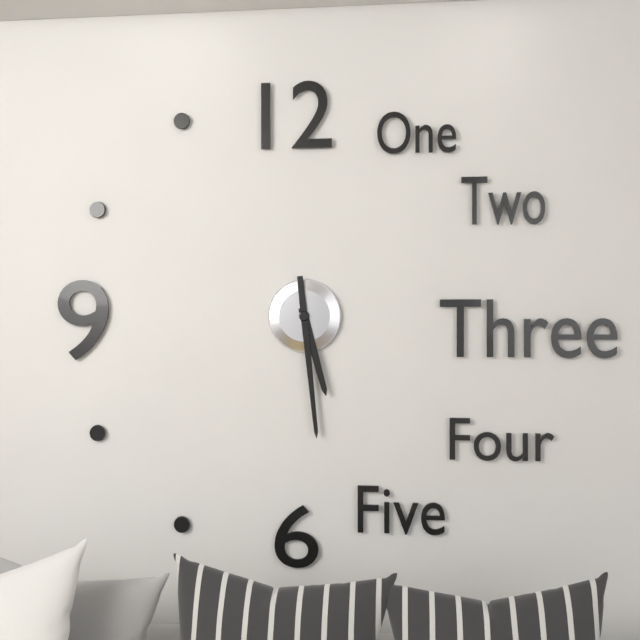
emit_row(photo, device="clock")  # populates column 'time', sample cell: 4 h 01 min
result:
5 h 29 min
